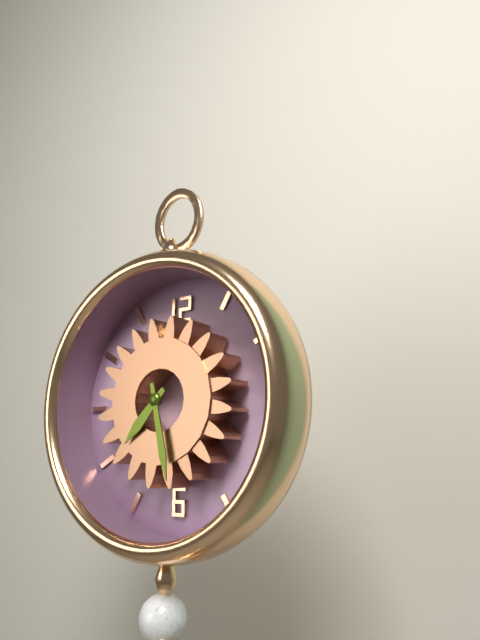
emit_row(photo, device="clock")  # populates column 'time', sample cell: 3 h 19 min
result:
7 h 28 min
